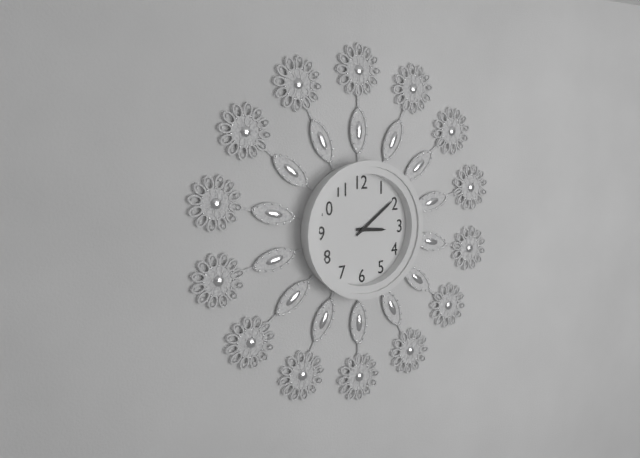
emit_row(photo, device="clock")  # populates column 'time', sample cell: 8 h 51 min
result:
3 h 09 min
